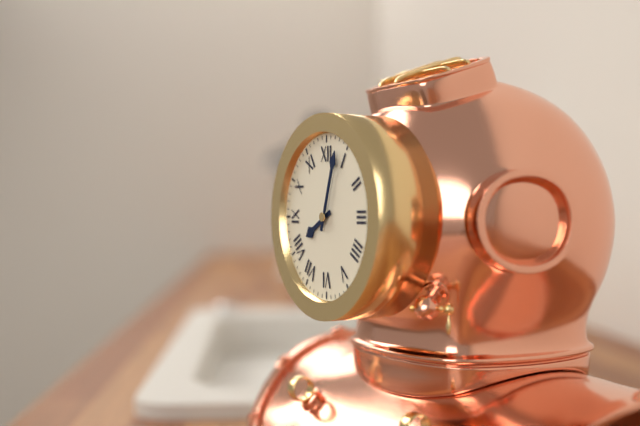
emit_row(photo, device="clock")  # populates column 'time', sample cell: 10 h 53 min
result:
8 h 03 min
